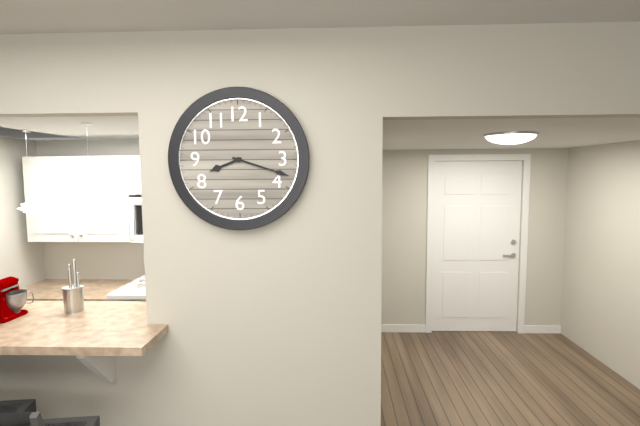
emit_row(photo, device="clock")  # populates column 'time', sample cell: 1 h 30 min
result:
8 h 18 min
